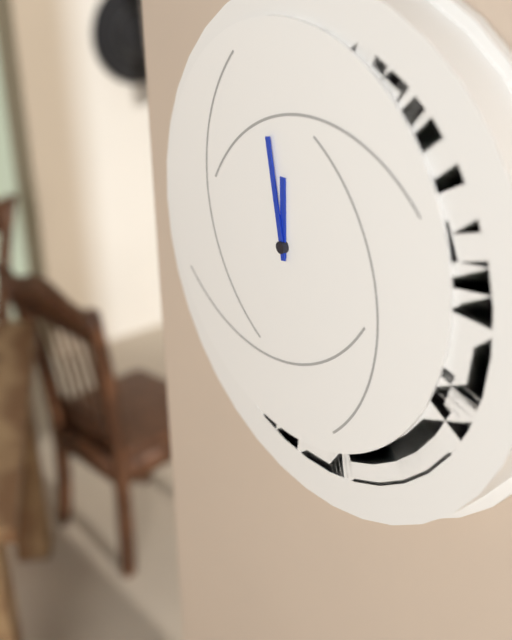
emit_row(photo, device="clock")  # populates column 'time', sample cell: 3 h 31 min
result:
11 h 58 min
